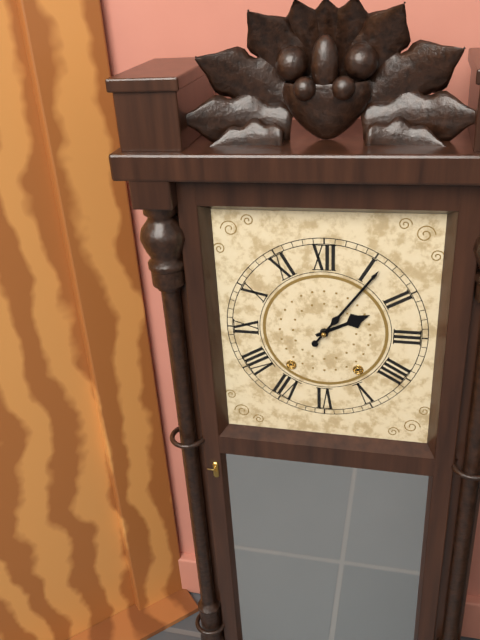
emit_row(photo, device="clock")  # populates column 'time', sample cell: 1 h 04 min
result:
2 h 06 min
